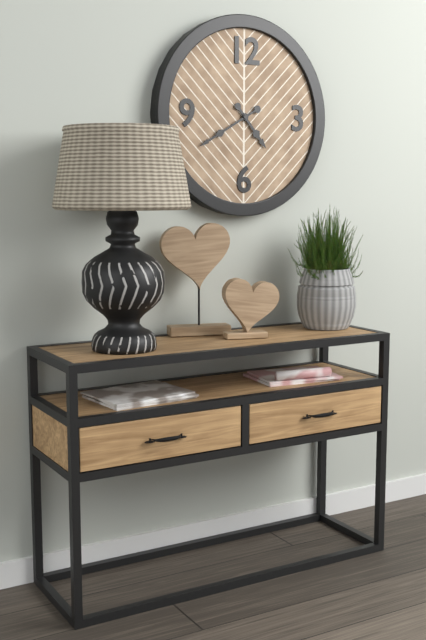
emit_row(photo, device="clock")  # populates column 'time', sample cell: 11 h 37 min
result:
4 h 40 min
